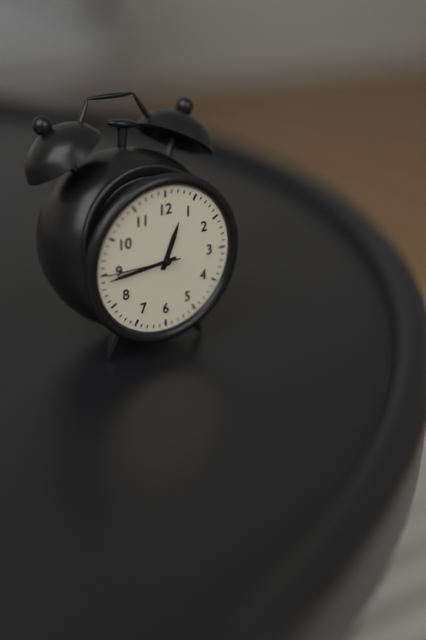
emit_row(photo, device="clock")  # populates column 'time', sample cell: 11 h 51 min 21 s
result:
12 h 44 min 45 s
